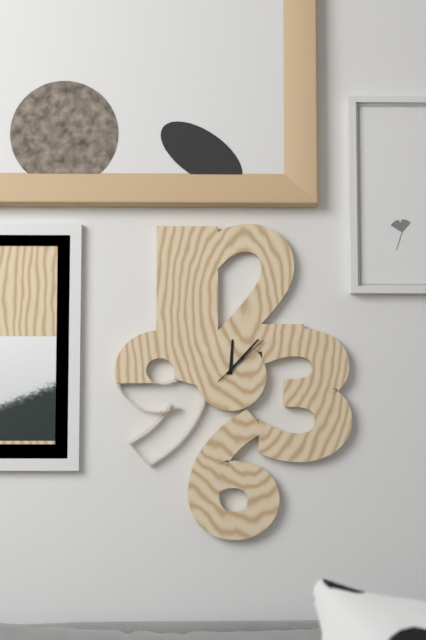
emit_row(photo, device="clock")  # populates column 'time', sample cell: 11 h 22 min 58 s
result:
12 h 07 min 08 s
